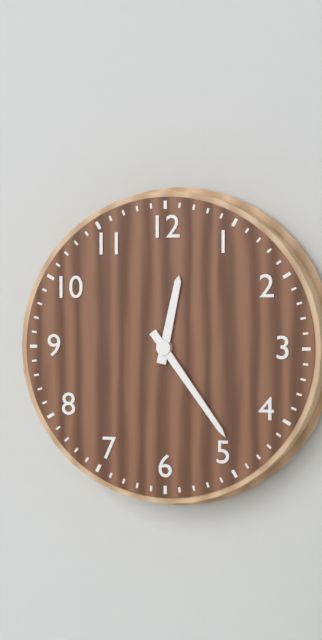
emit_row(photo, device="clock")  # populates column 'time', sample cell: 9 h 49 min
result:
12 h 24 min
